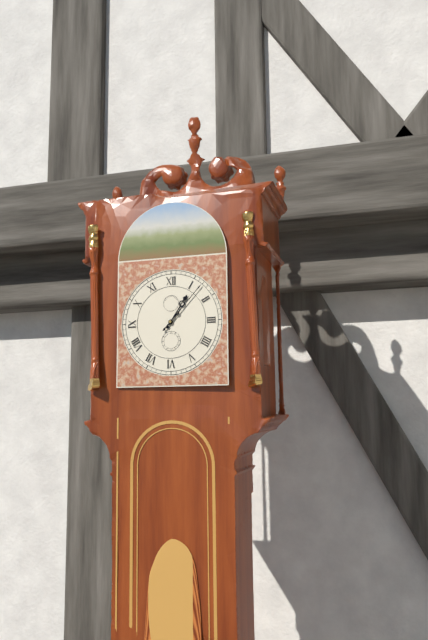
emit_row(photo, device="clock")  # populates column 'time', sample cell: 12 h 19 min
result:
1 h 07 min
